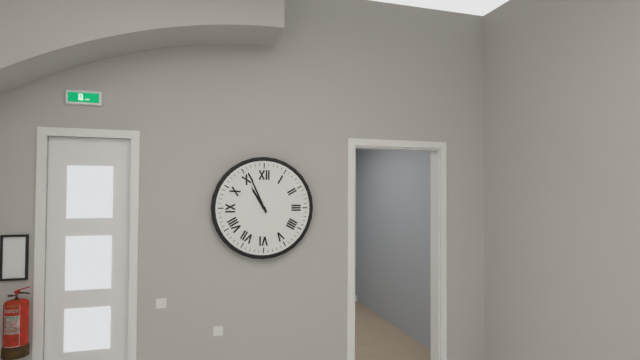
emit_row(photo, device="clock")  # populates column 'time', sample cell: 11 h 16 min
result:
10 h 56 min
